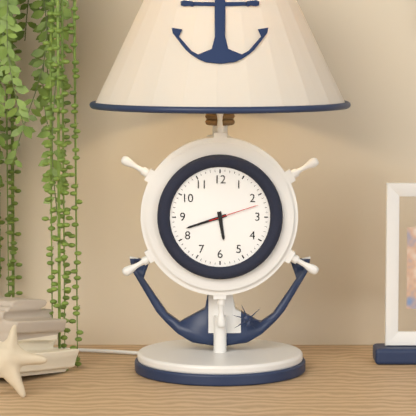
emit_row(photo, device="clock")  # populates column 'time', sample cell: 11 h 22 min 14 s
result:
5 h 42 min 12 s
